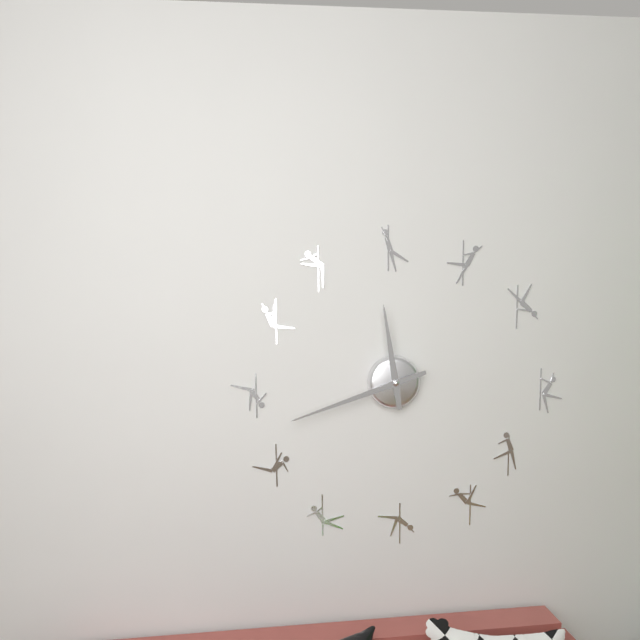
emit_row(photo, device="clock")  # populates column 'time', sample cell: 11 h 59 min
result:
11 h 42 min
